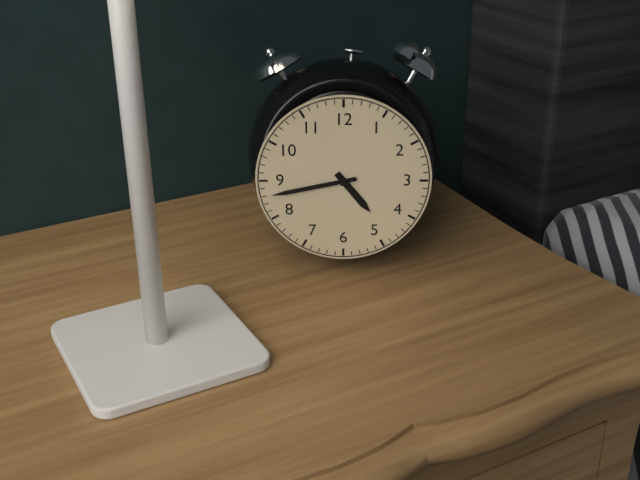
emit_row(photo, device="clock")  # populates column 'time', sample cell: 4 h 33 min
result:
4 h 43 min
